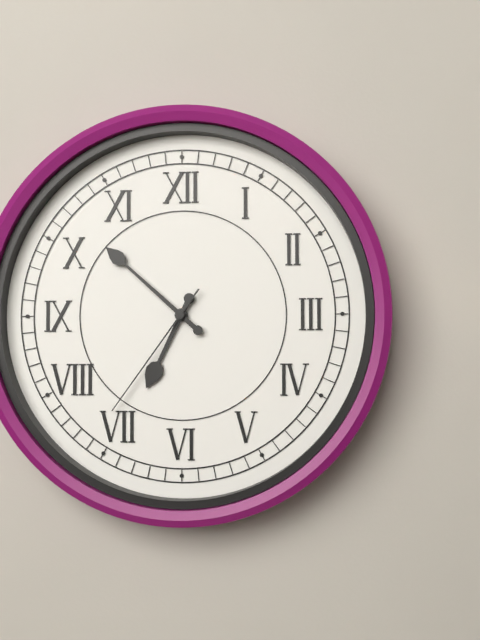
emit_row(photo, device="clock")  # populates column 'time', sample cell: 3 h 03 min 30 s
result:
6 h 52 min 36 s
